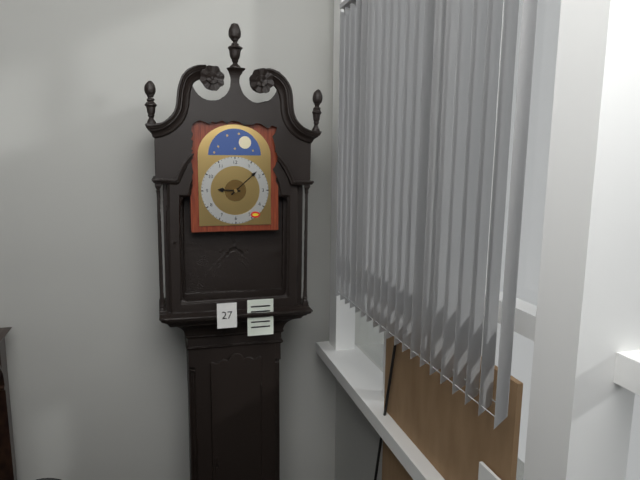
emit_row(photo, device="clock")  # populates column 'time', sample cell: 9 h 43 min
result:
9 h 08 min
